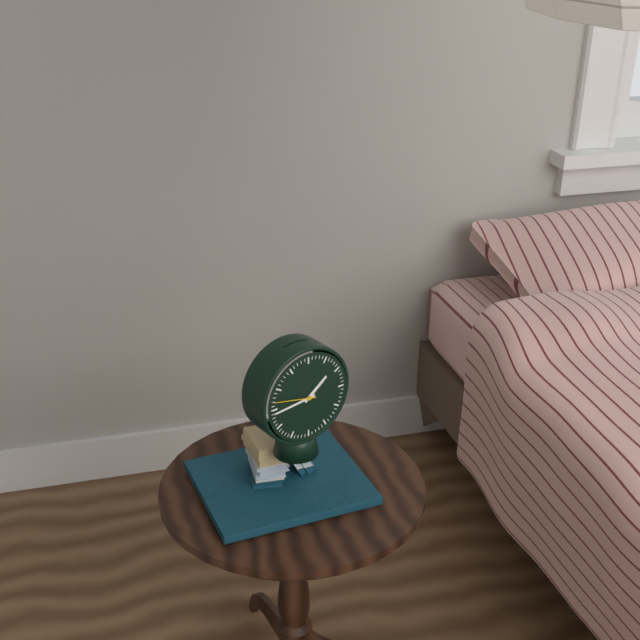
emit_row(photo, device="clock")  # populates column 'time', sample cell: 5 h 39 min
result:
1 h 44 min
